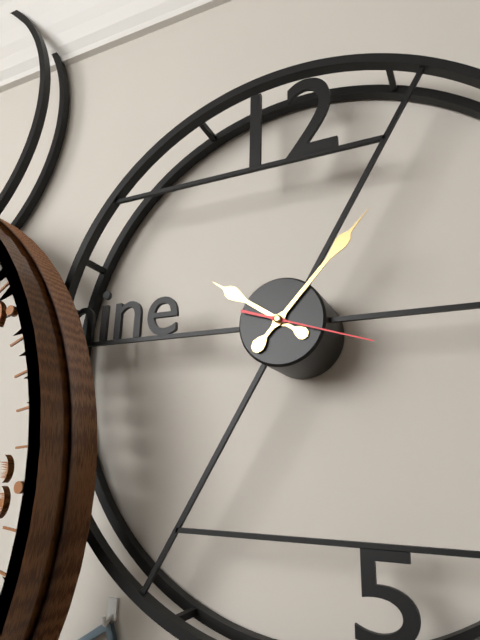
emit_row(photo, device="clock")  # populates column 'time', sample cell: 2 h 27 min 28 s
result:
10 h 07 min 18 s
